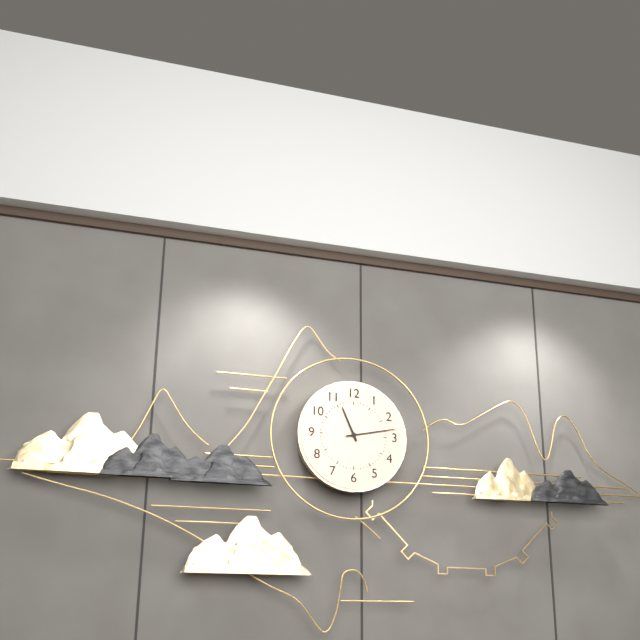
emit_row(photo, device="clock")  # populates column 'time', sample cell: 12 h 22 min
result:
11 h 13 min
